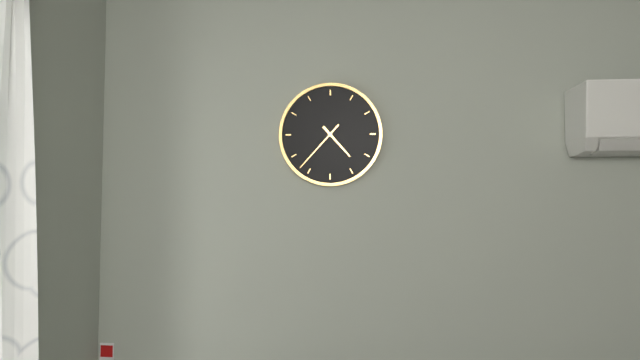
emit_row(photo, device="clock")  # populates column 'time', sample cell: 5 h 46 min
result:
4 h 37 min
